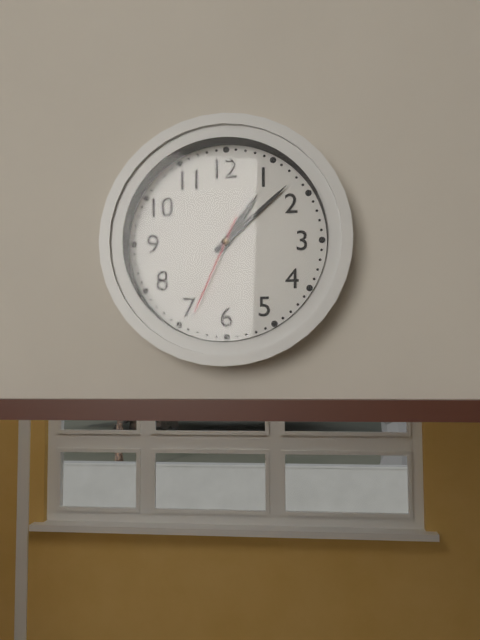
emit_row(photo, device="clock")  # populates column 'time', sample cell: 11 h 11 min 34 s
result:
1 h 08 min 34 s
